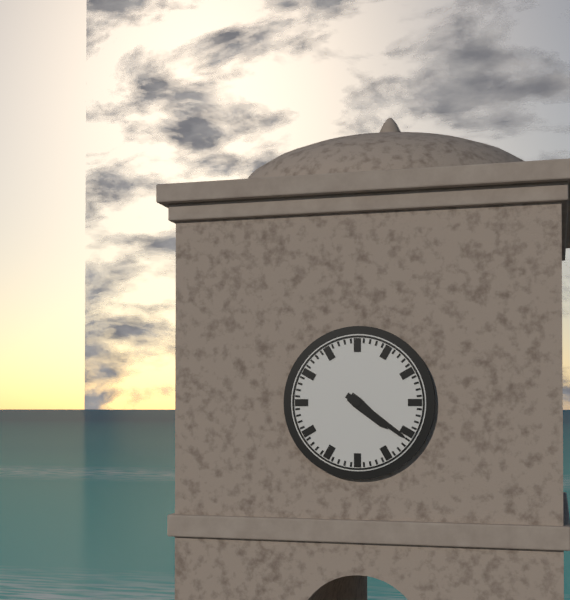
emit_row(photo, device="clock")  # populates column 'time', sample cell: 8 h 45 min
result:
4 h 21 min
